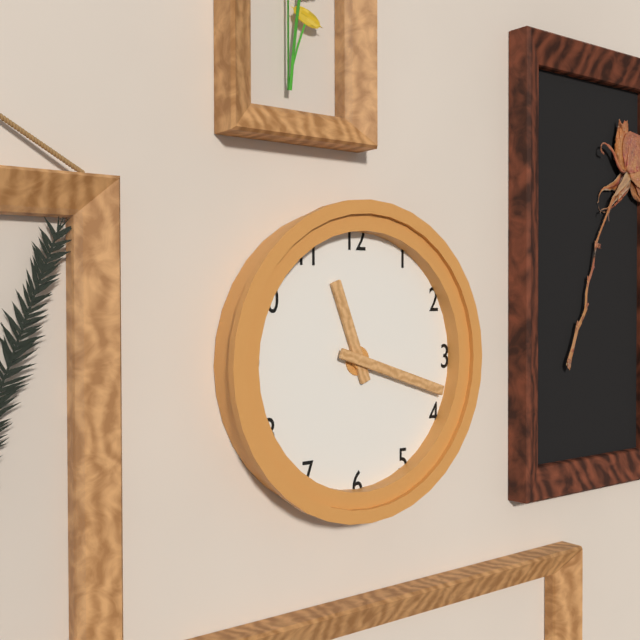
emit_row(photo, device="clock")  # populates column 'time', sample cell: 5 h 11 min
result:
11 h 18 min
